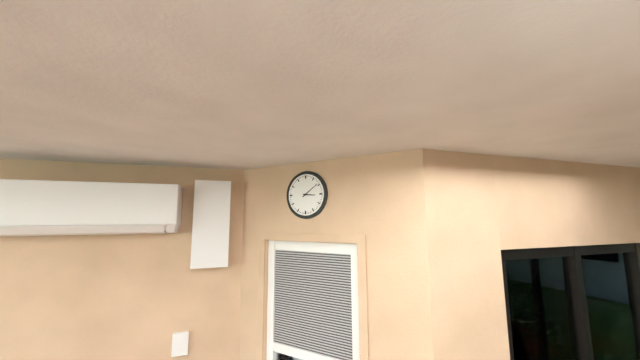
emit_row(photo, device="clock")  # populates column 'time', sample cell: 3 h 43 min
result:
3 h 09 min
